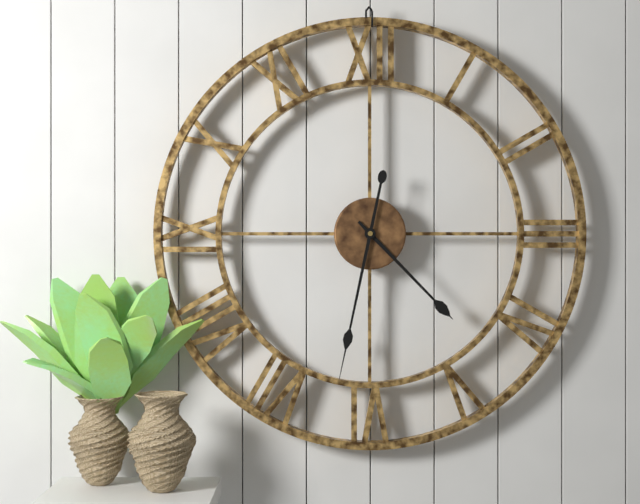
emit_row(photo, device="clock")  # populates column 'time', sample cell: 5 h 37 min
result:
4 h 32 min
